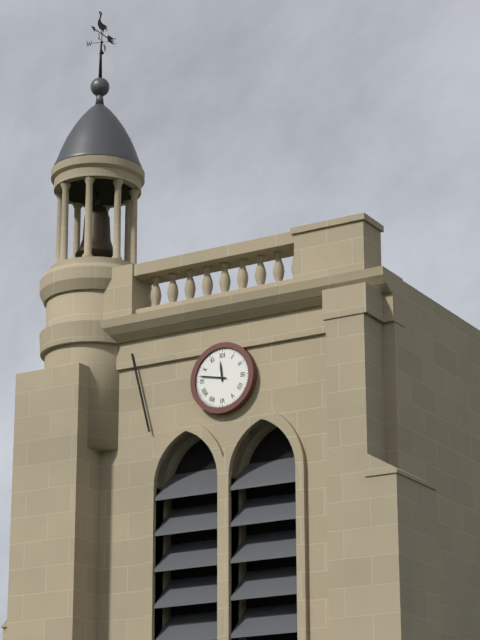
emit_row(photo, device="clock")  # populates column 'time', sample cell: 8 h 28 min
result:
11 h 47 min
